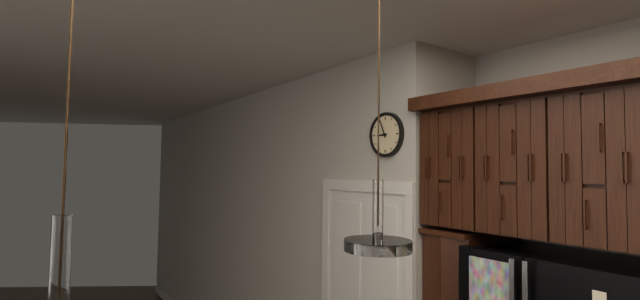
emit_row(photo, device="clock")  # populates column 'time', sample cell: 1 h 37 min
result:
8 h 56 min
